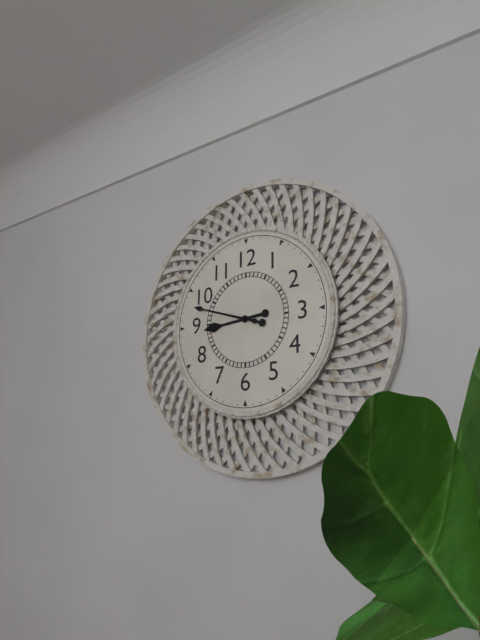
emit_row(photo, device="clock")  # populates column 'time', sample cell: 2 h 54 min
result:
8 h 48 min
